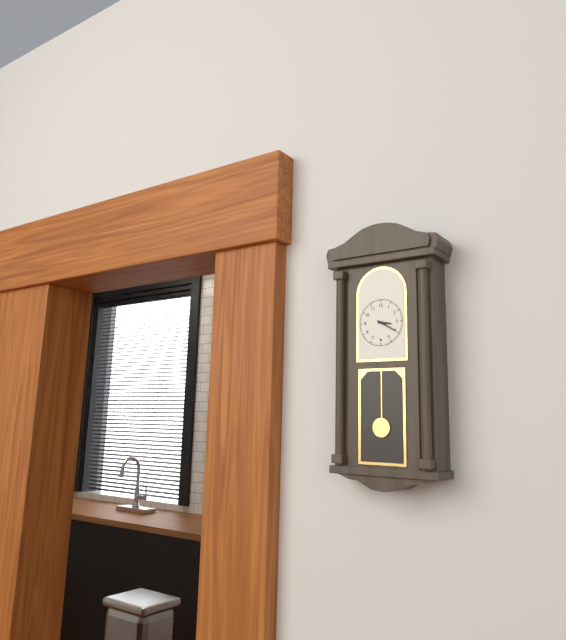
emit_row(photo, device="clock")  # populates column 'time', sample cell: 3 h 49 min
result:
3 h 20 min
